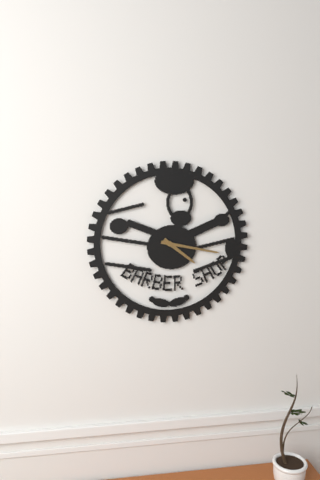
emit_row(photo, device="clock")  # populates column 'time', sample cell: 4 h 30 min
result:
4 h 17 min
